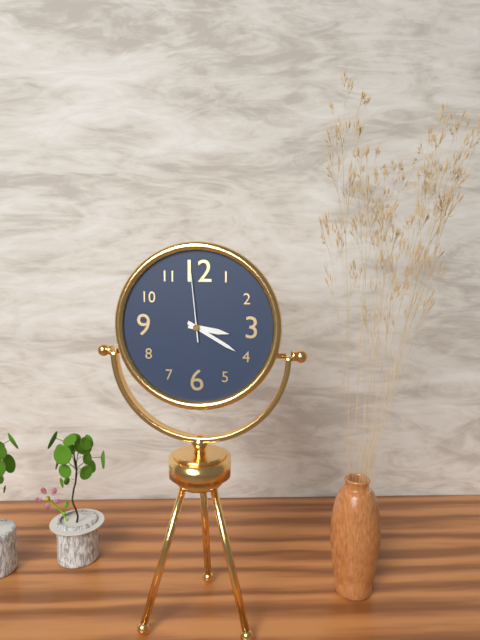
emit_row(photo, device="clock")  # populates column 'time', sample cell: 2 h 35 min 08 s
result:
3 h 20 min 59 s
